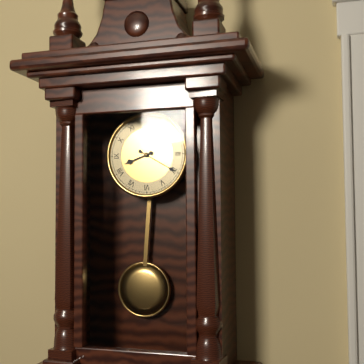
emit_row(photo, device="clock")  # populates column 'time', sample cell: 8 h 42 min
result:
8 h 20 min
